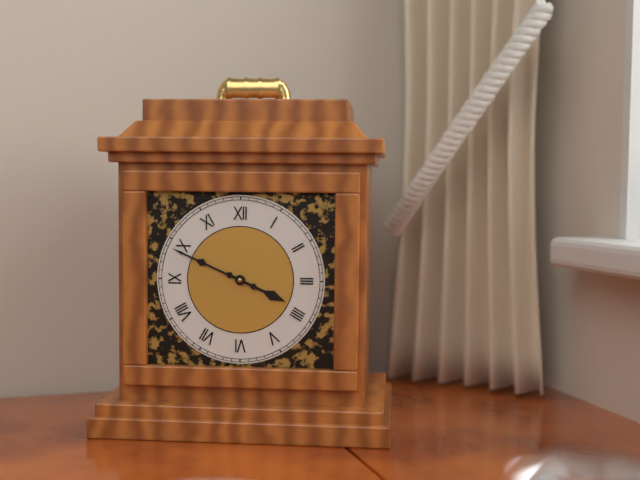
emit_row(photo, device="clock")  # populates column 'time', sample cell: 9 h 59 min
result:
3 h 49 min
